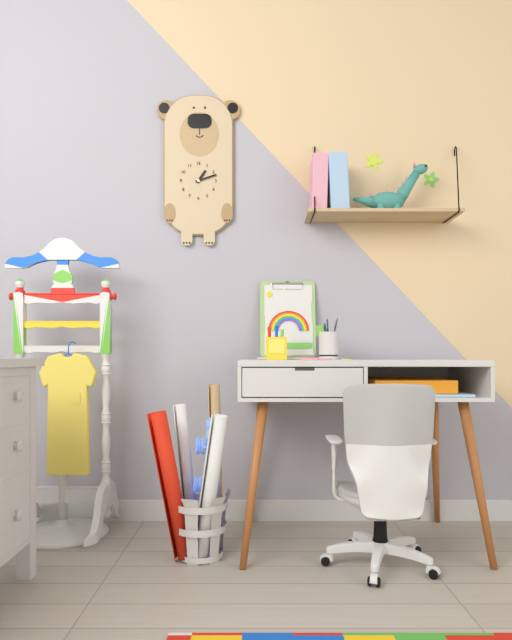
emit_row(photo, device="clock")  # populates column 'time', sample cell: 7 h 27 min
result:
1 h 12 min
